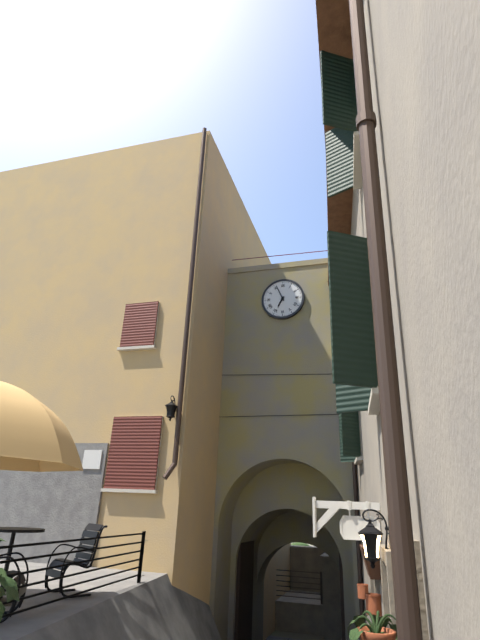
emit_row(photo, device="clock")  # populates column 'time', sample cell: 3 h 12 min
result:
6 h 56 min
